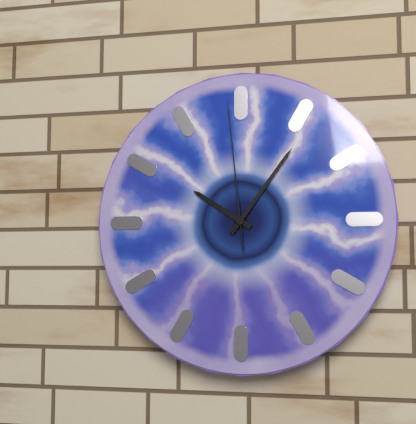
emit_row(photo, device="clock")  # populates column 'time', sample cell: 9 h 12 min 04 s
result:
10 h 06 min 59 s
